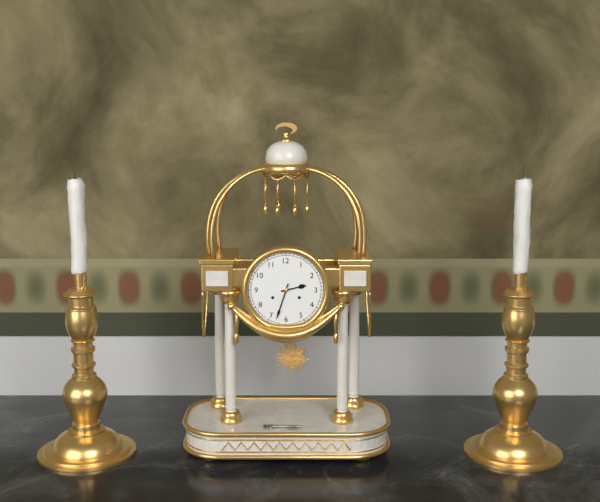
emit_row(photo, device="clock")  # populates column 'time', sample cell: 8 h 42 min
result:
2 h 33 min
